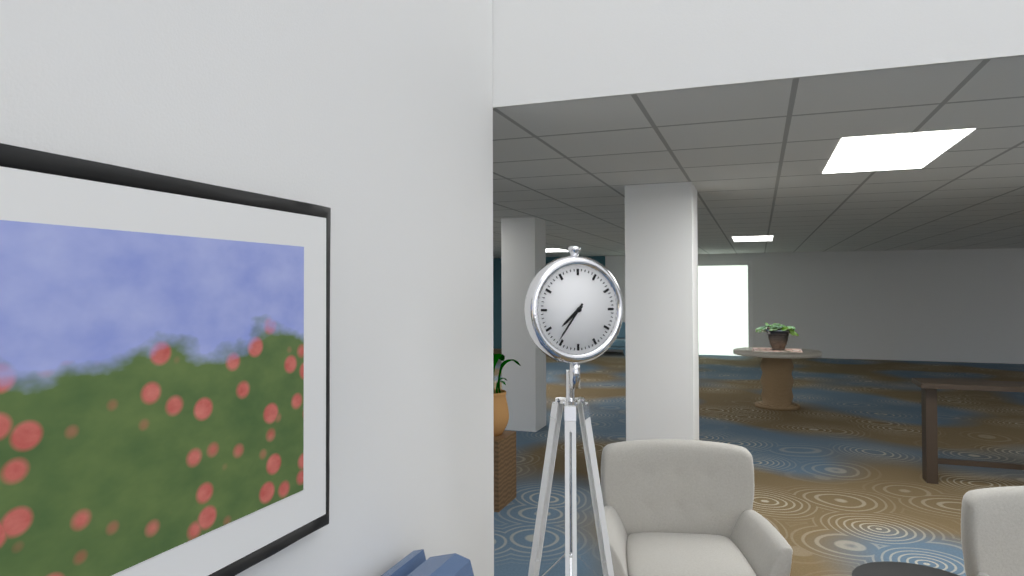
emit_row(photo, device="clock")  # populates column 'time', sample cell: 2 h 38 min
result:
7 h 36 min
